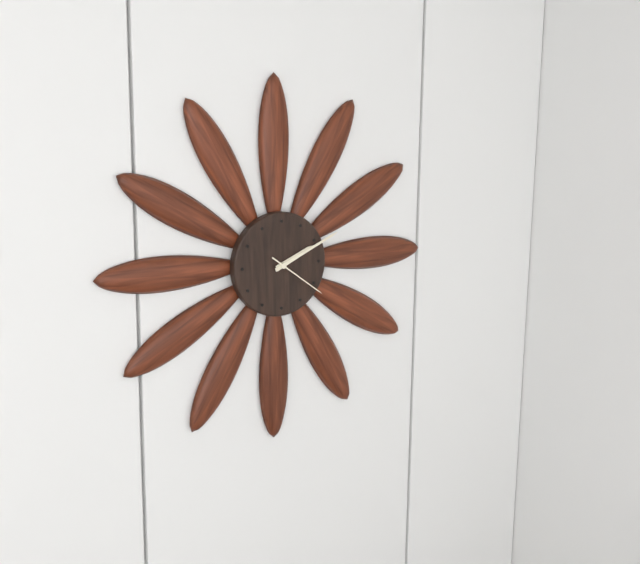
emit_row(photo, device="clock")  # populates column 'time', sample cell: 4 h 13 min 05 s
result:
2 h 11 min 21 s
